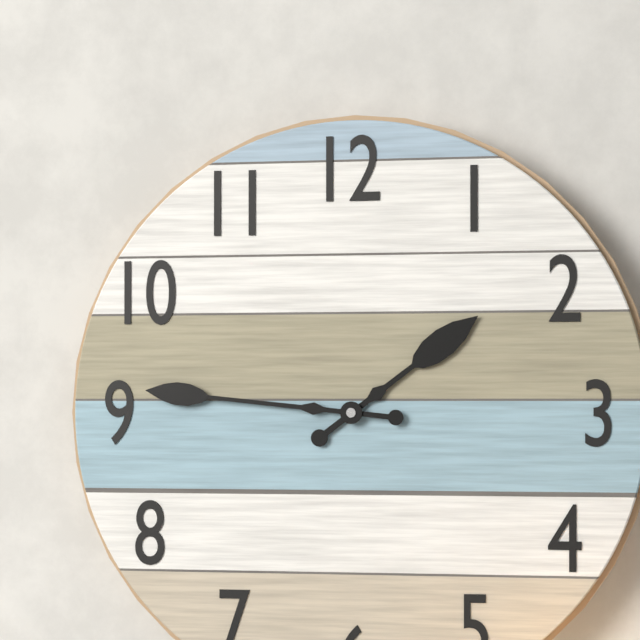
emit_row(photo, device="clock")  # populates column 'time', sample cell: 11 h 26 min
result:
1 h 46 min
